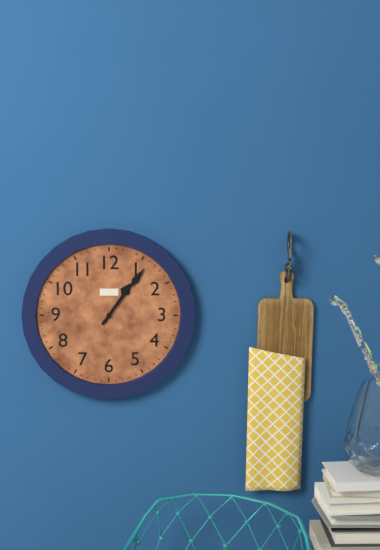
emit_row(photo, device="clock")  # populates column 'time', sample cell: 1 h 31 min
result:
1 h 06 min
